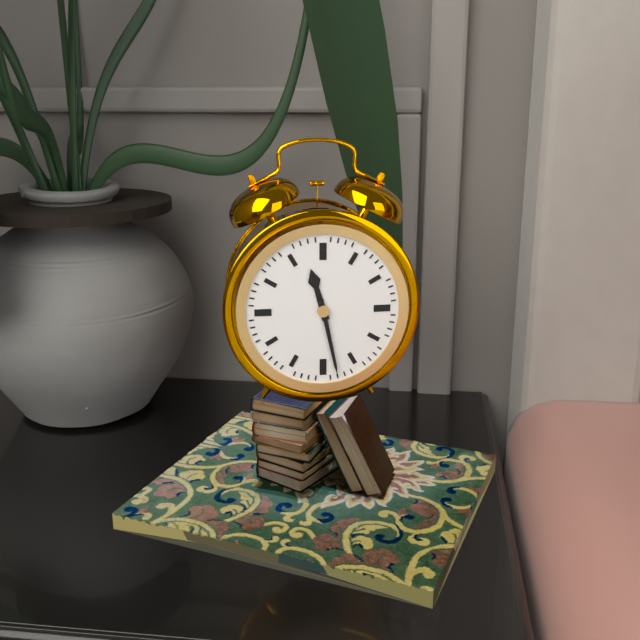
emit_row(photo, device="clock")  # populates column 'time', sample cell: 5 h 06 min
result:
11 h 28 min
